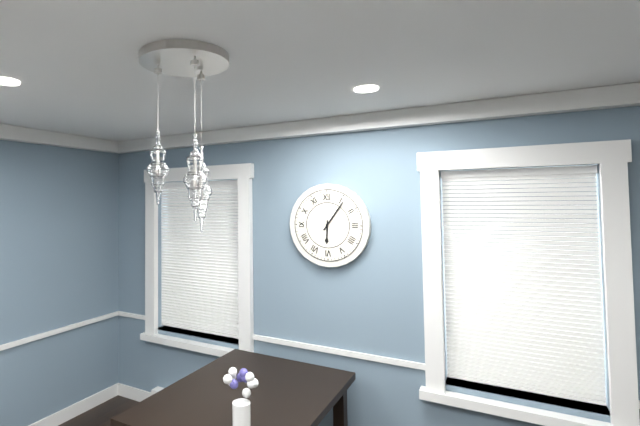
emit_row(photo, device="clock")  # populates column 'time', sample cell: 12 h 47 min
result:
6 h 06 min
